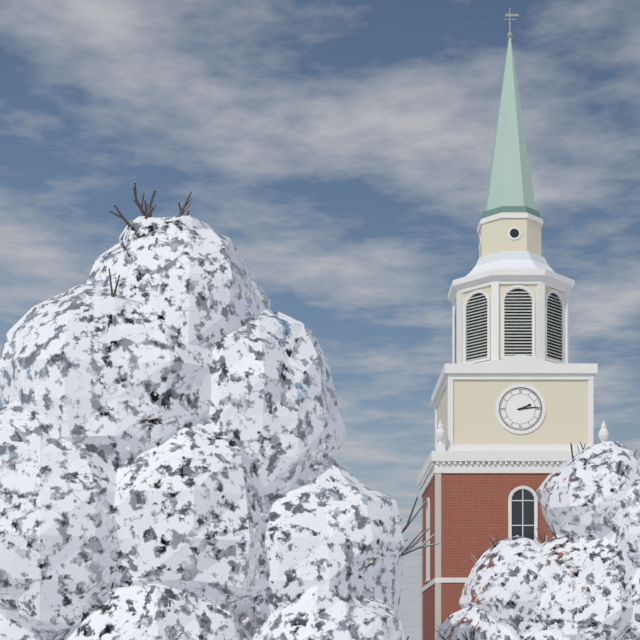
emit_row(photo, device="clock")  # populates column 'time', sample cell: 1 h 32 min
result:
2 h 14 min
